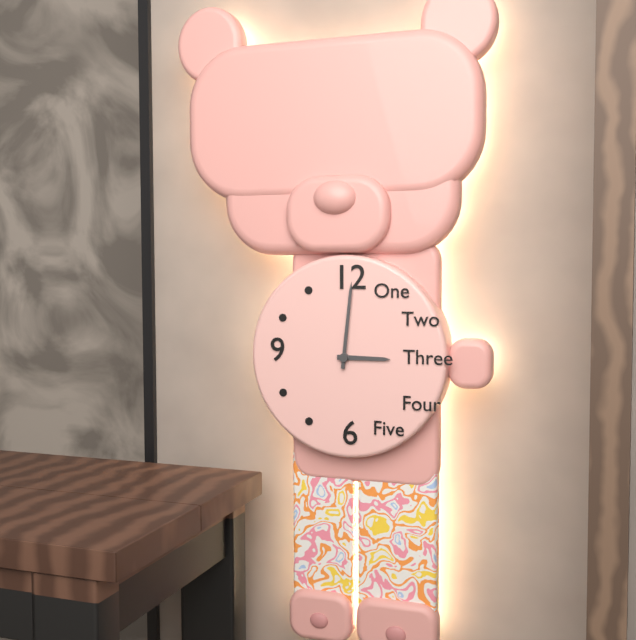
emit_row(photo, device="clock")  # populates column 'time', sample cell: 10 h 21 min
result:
3 h 01 min
